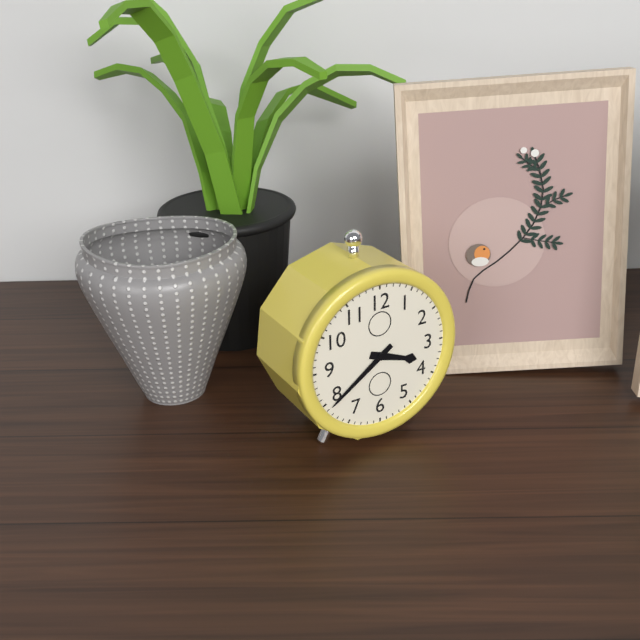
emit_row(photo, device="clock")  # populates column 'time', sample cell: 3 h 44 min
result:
3 h 39 min
